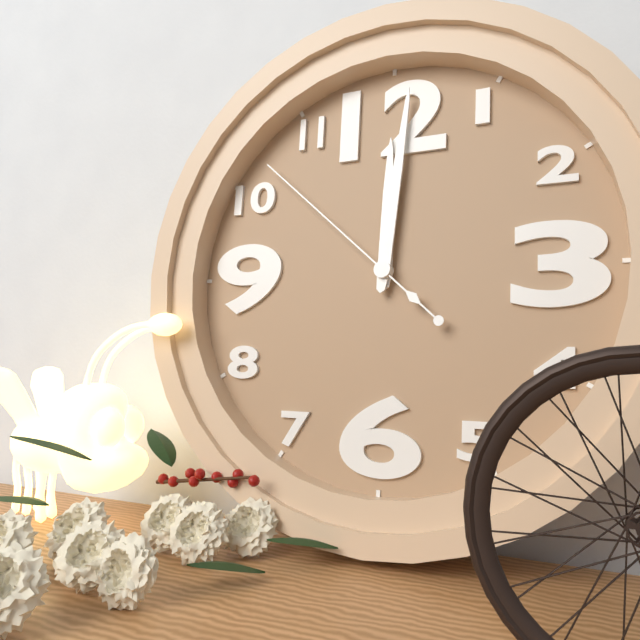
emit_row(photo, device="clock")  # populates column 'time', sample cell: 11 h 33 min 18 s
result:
12 h 01 min 52 s
